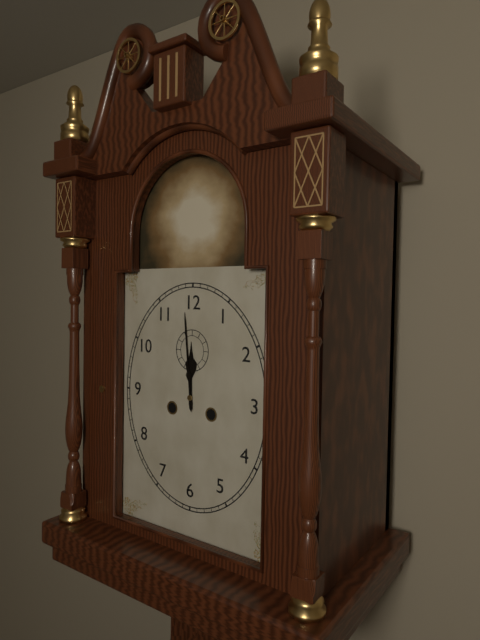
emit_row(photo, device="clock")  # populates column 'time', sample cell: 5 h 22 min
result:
11 h 59 min
